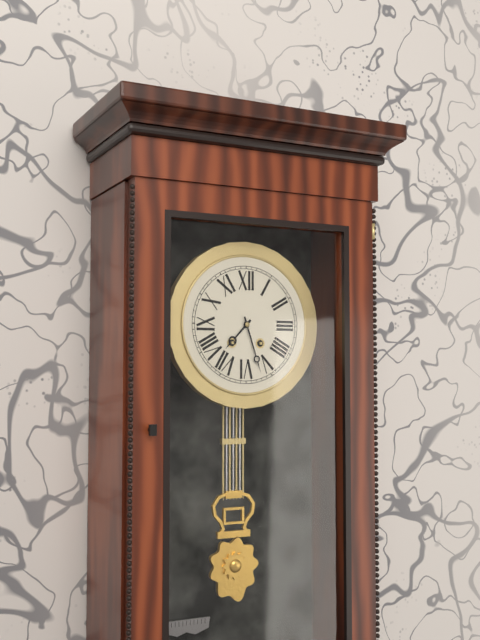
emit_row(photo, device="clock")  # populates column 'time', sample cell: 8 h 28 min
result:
7 h 27 min
